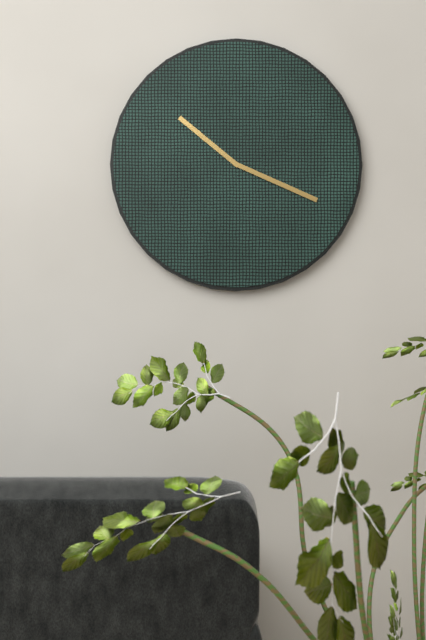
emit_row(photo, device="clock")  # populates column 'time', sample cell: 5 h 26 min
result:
10 h 19 min
